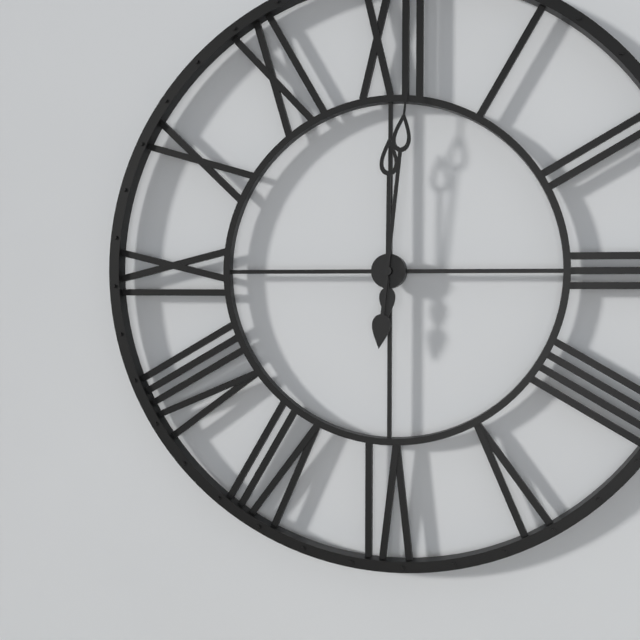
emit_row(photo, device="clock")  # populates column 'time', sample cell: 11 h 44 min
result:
12 h 01 min
